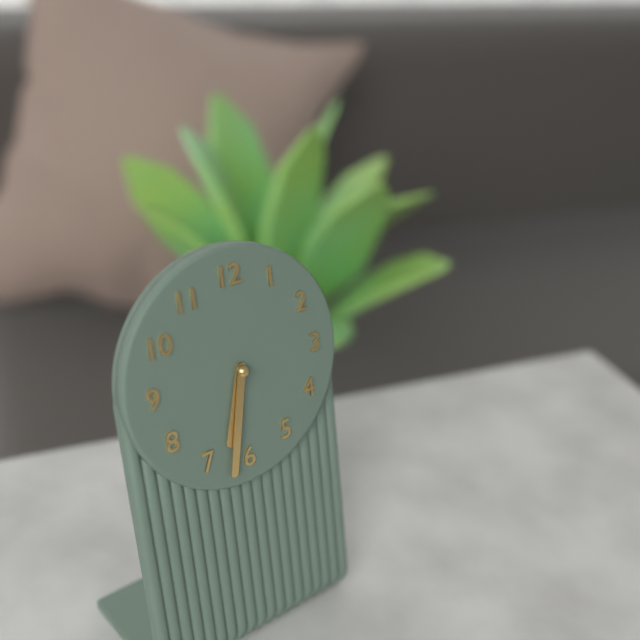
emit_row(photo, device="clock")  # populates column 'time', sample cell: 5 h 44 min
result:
6 h 32 min
